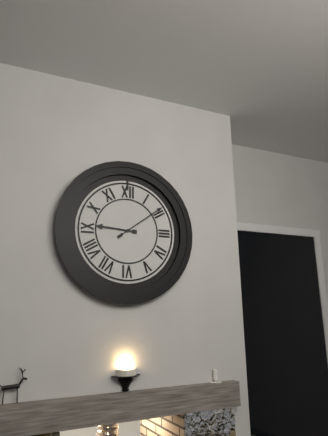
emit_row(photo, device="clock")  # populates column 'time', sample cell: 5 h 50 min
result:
9 h 09 min
